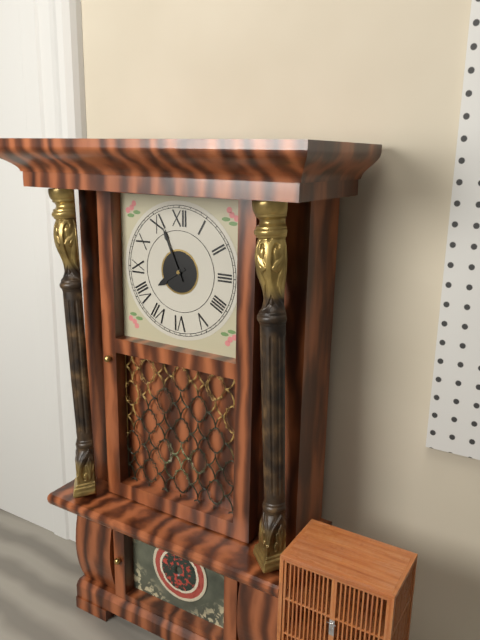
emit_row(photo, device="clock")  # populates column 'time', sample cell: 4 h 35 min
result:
7 h 56 min
